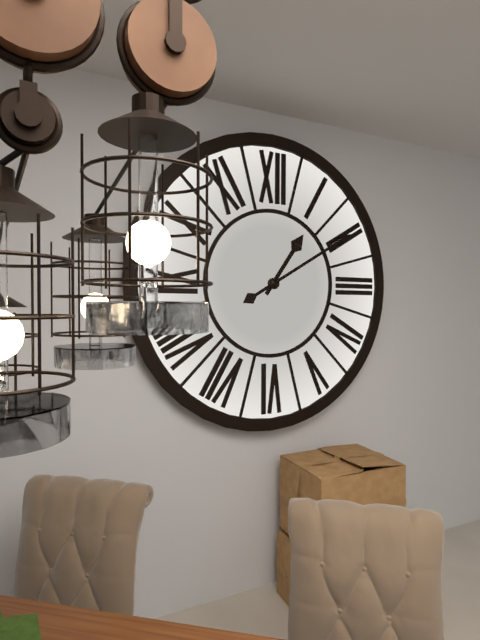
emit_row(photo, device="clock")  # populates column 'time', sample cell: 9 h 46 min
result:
1 h 10 min
